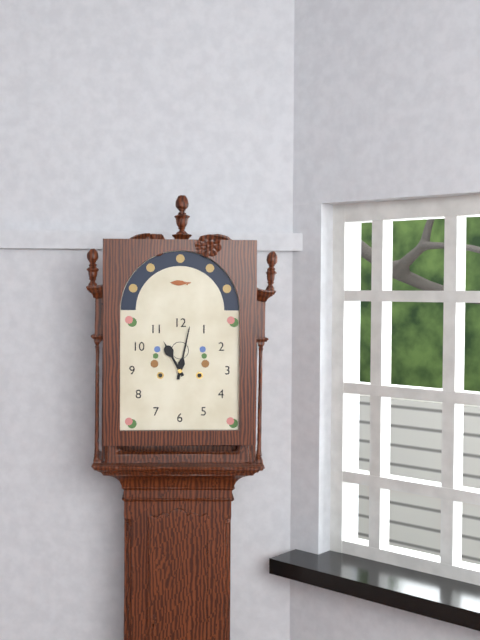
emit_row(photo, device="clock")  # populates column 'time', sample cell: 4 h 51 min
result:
11 h 02 min
